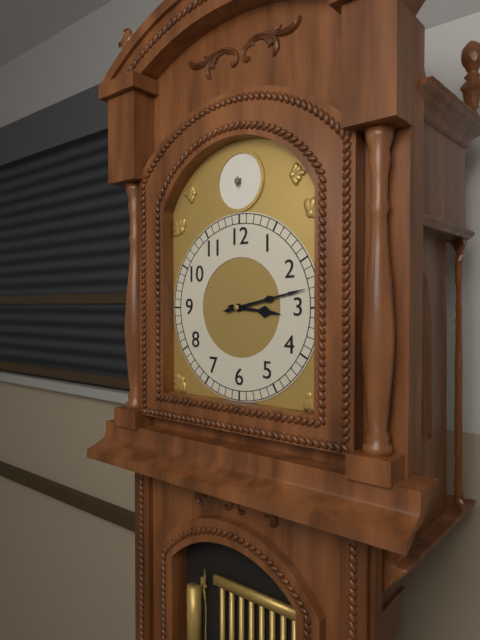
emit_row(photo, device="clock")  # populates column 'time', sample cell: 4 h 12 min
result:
3 h 13 min
